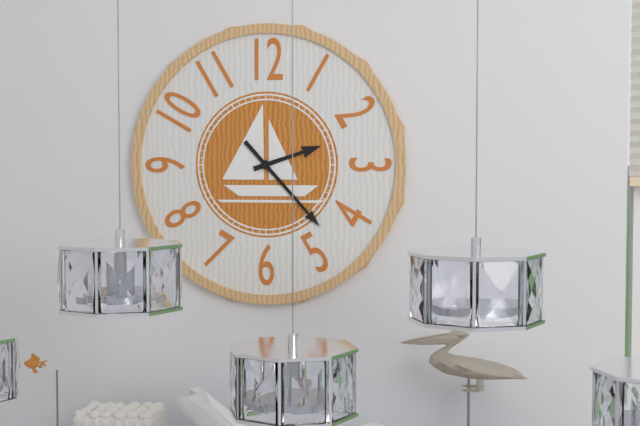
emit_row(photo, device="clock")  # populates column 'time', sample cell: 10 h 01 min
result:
2 h 23 min
